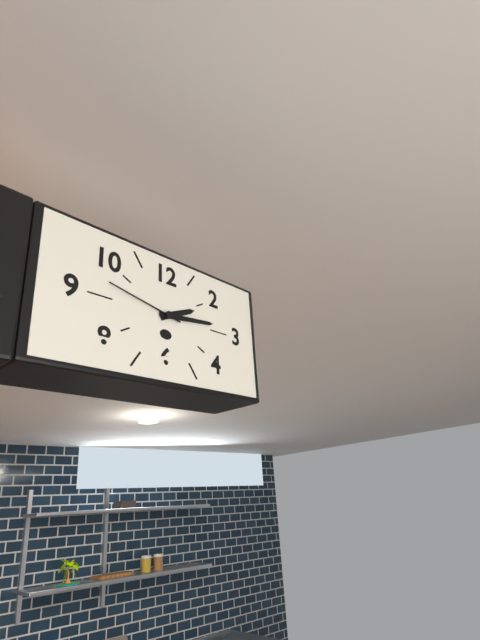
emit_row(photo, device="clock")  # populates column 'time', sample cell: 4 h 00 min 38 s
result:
2 h 14 min 47 s
